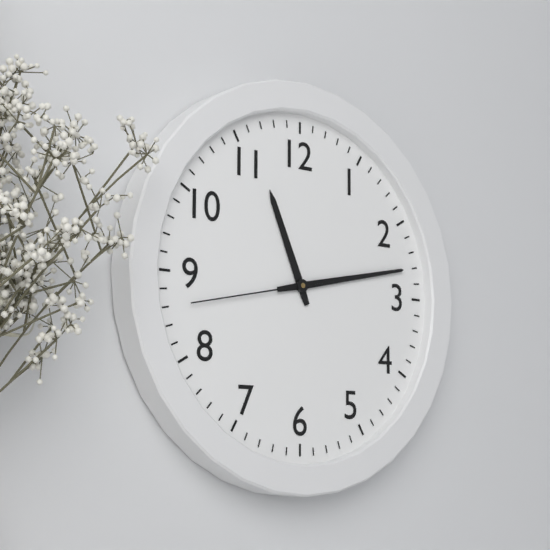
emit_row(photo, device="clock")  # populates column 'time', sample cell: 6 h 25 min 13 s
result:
11 h 13 min 43 s
